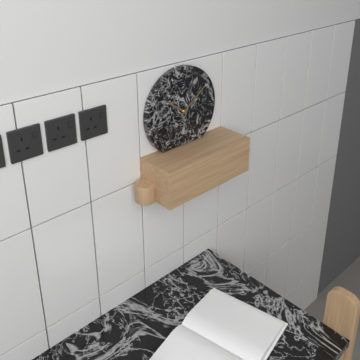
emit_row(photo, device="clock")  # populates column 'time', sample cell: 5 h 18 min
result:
10 h 09 min
